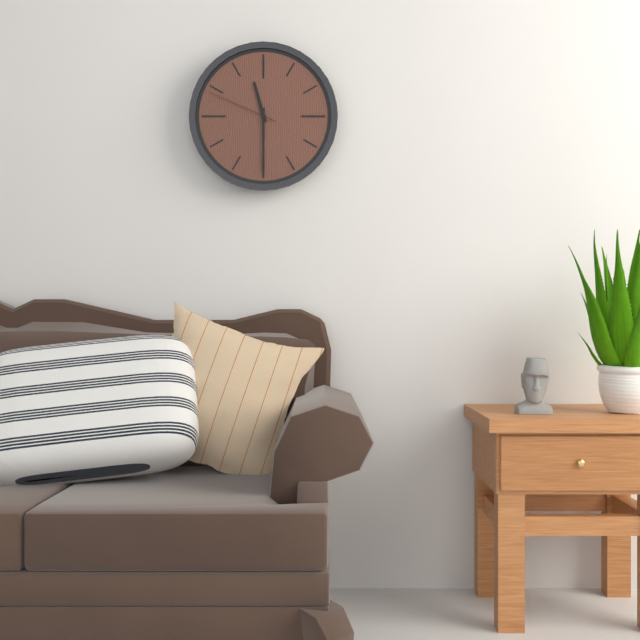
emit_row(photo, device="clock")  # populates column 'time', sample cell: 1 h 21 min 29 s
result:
11 h 30 min 49 s
